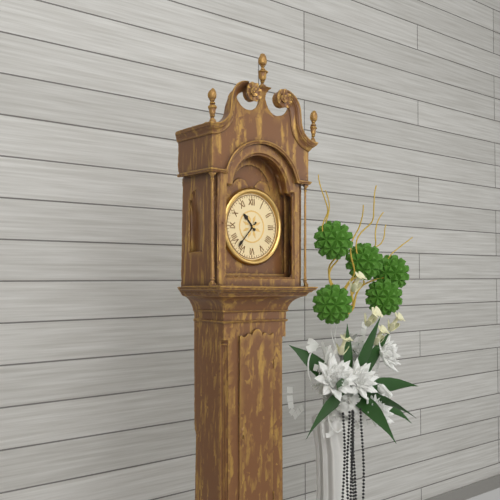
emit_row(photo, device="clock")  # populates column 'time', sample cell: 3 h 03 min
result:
10 h 37 min
